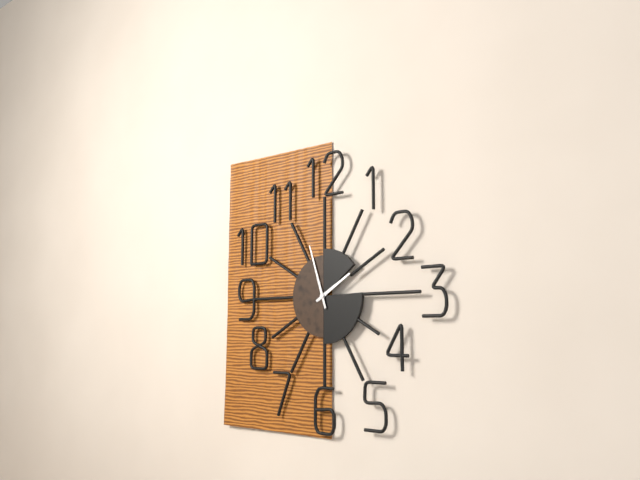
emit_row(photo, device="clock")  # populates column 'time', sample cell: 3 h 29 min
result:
1 h 57 min
